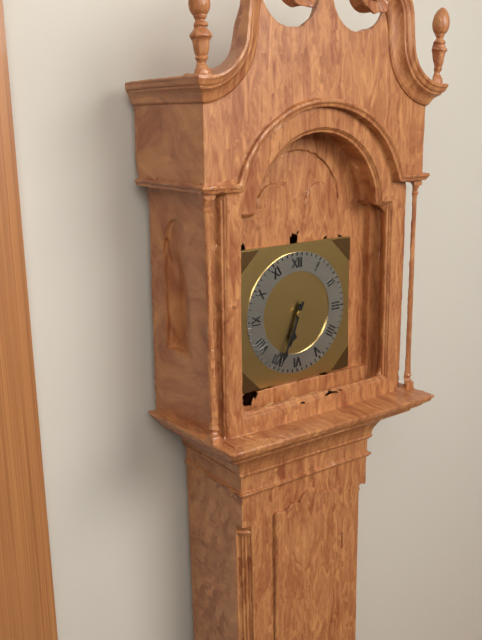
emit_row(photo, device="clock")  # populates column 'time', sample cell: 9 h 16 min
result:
6 h 34 min
